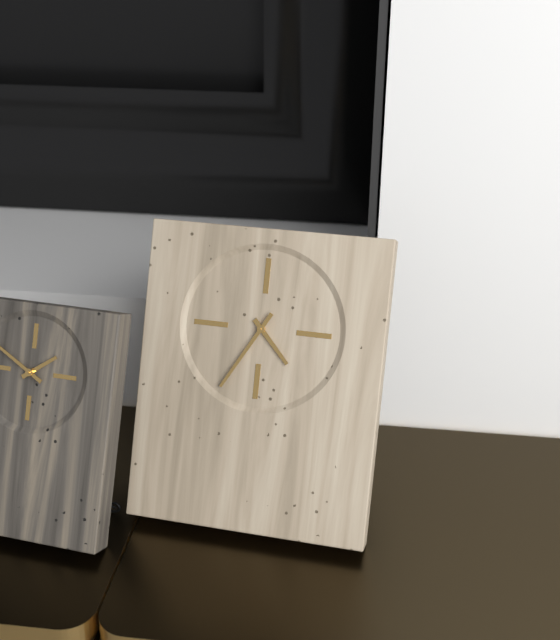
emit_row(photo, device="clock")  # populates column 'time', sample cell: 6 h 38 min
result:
4 h 35 min
